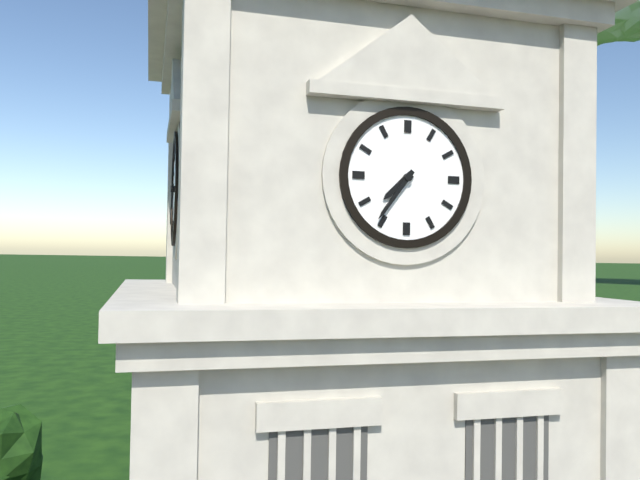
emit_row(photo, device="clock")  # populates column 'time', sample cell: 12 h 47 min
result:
7 h 36 min
